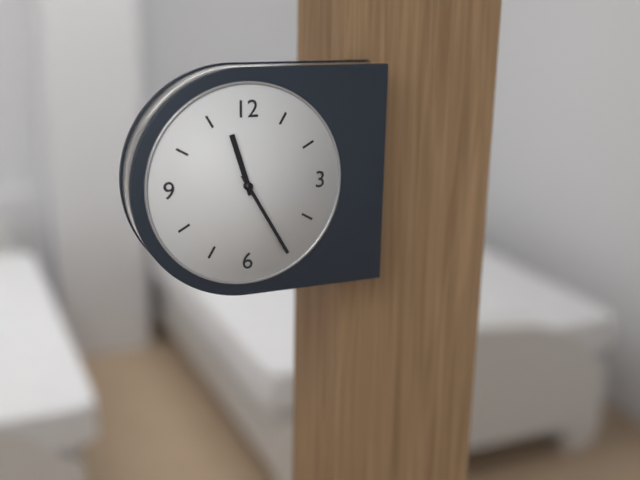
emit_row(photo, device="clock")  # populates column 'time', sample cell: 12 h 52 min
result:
11 h 25 min
